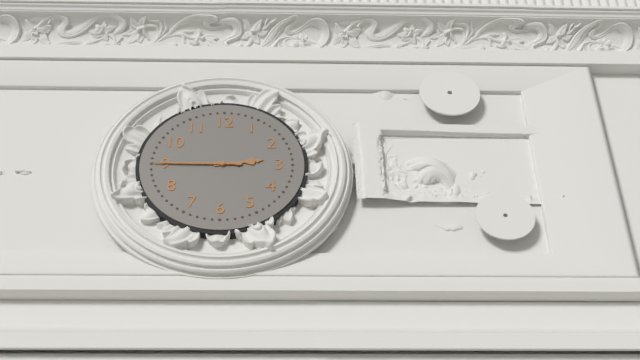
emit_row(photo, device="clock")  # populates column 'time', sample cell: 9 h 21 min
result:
2 h 45 min
